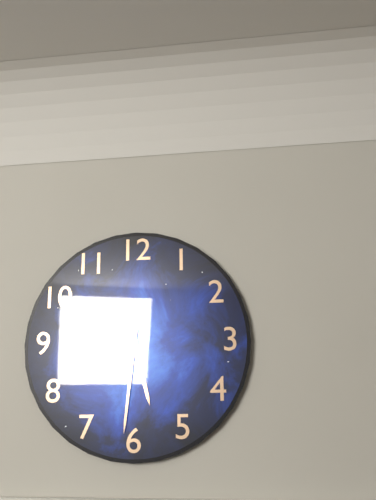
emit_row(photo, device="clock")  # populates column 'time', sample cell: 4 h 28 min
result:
5 h 31 min
